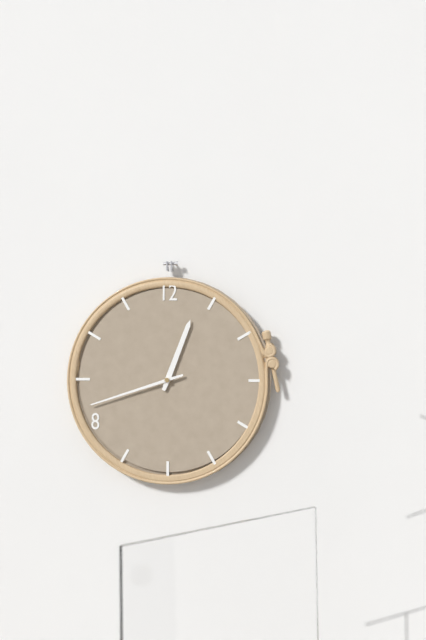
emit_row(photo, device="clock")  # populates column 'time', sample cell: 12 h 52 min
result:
12 h 42 min
